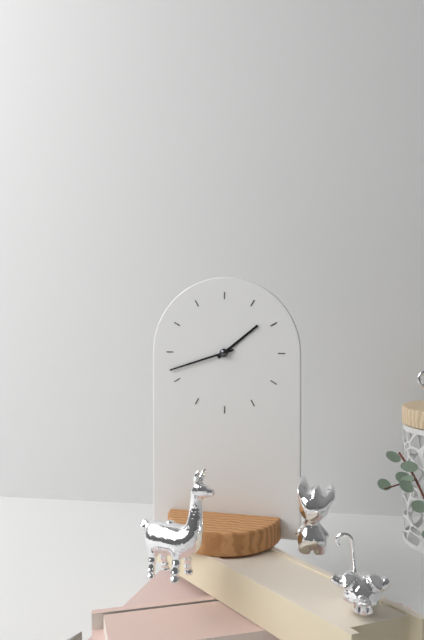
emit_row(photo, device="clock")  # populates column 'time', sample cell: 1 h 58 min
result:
1 h 42 min
